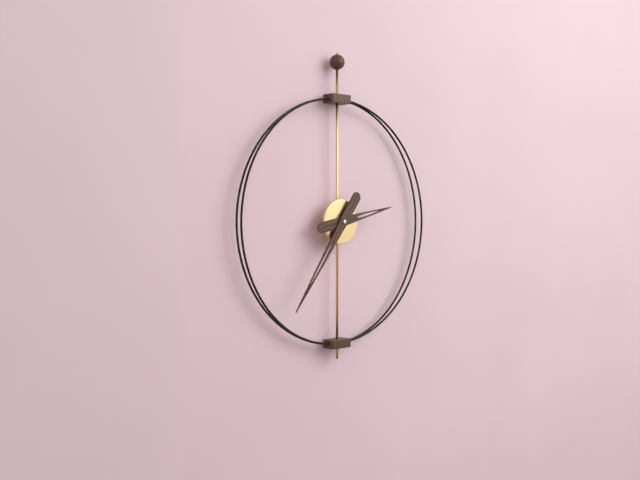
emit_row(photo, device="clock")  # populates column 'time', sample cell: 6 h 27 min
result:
2 h 36 min
